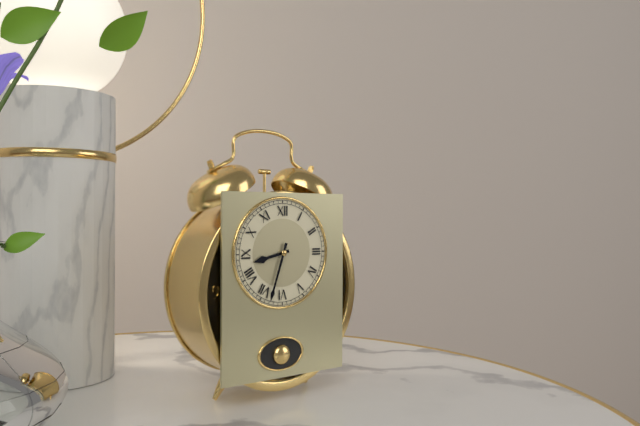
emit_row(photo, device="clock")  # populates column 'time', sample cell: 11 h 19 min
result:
8 h 33 min
